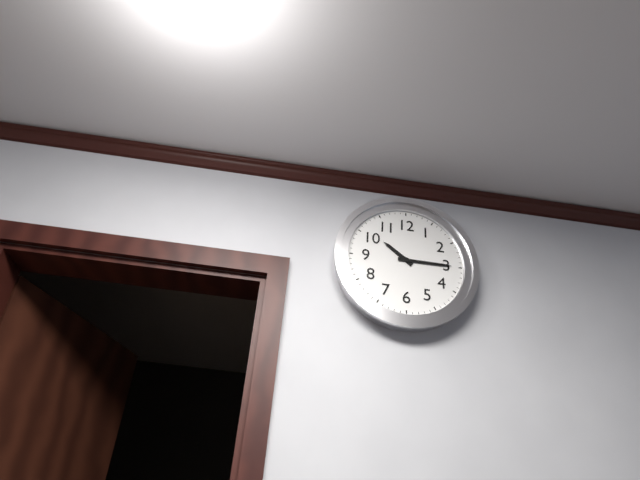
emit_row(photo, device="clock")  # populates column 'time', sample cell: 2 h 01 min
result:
10 h 15 min
